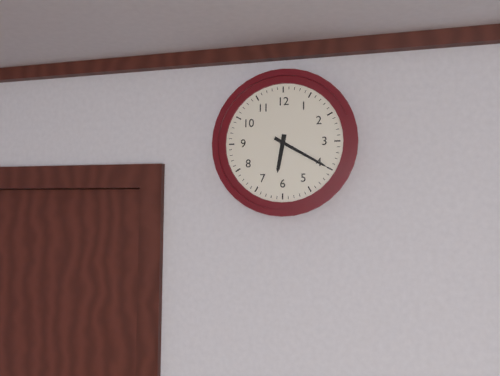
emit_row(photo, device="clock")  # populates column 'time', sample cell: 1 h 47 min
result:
6 h 20 min
